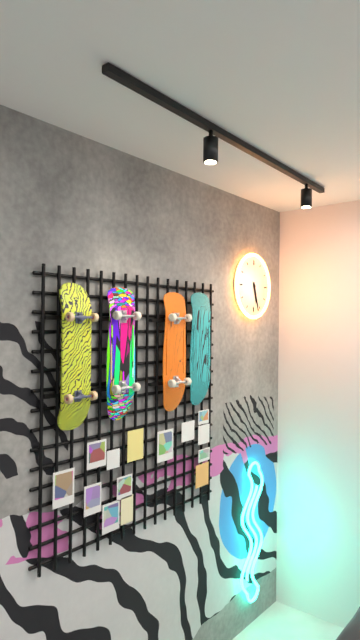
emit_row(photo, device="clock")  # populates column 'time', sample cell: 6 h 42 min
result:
5 h 27 min
